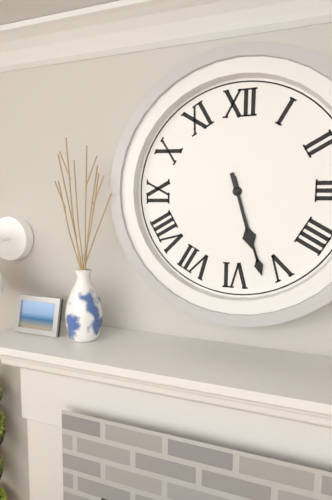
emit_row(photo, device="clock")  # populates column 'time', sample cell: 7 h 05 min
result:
5 h 27 min
